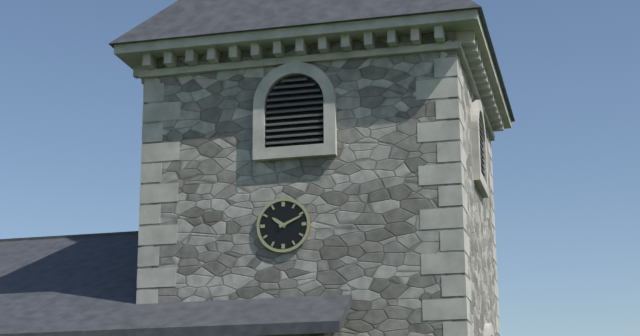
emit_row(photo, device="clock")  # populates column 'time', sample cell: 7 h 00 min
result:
10 h 11 min
